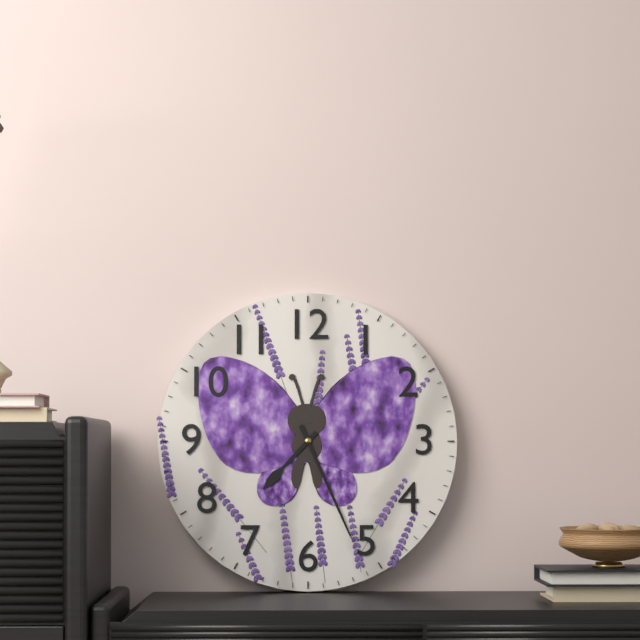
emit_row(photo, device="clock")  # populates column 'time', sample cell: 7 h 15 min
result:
7 h 26 min
